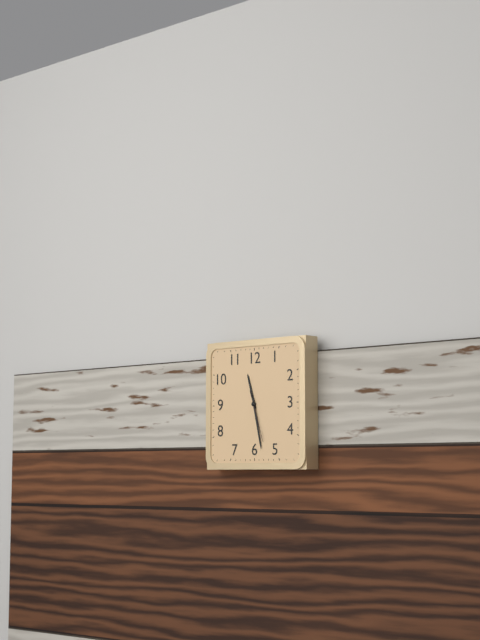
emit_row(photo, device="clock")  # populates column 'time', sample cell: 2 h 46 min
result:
11 h 28 min
